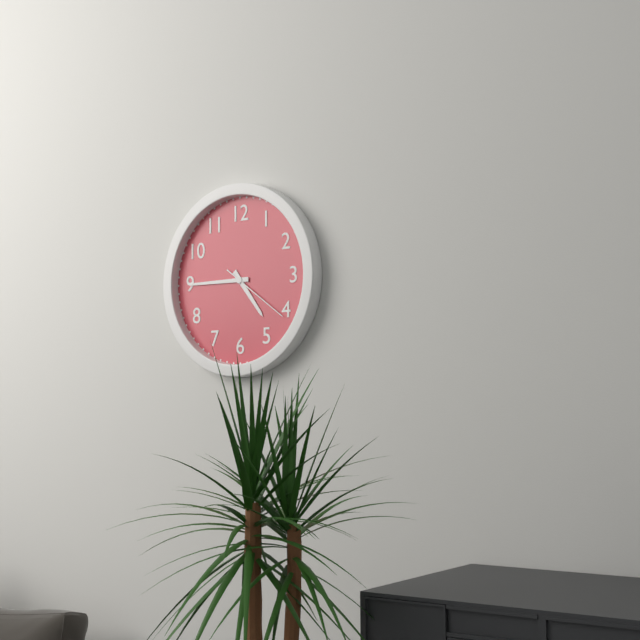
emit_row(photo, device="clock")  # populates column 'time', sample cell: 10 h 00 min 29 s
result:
4 h 45 min 21 s
